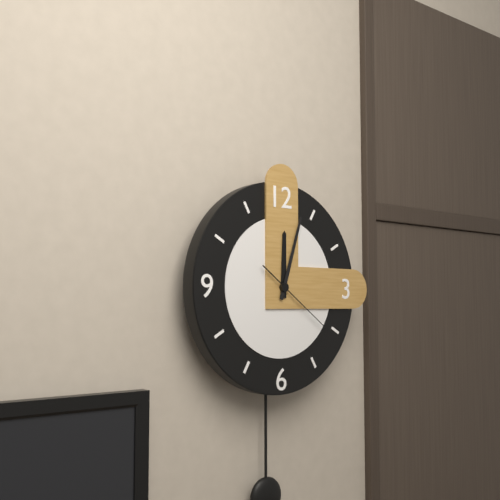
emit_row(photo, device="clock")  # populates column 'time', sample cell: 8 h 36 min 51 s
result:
12 h 03 min 21 s
